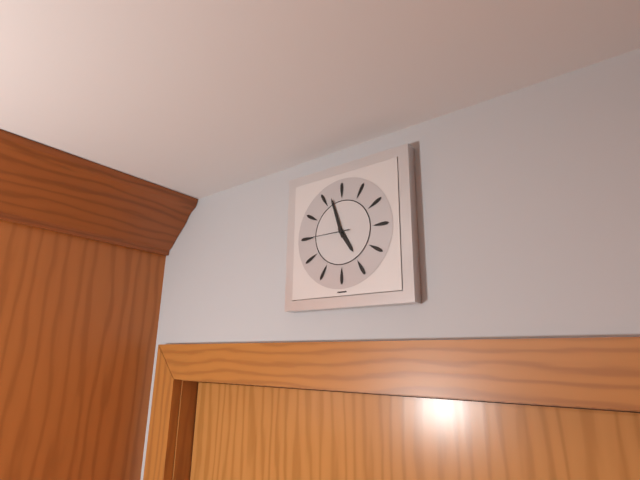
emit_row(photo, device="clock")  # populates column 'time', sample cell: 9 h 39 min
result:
4 h 57 min
